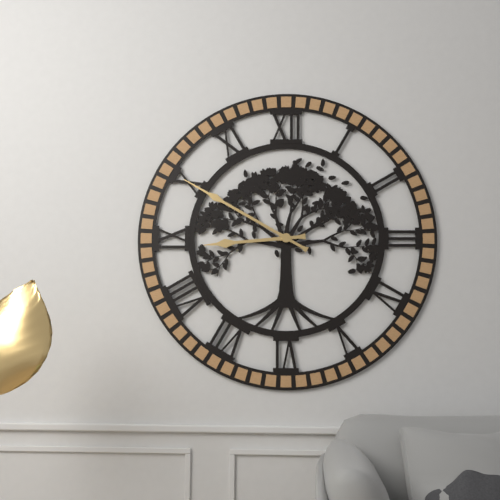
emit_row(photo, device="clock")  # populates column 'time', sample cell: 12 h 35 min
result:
8 h 50 min
